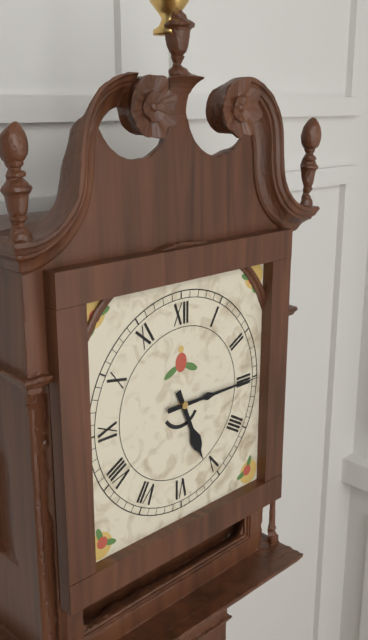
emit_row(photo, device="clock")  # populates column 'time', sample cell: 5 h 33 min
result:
5 h 15 min
